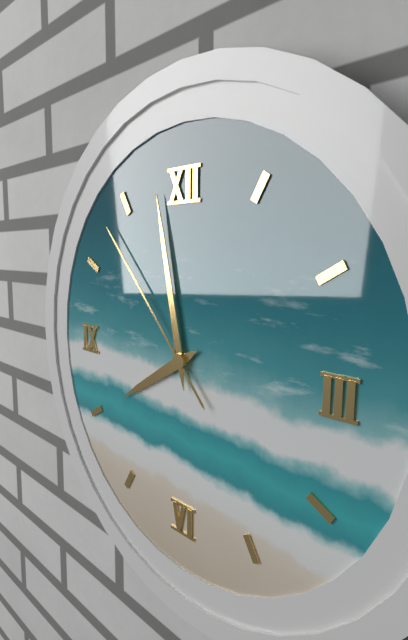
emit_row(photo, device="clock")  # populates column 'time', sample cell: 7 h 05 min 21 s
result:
7 h 58 min 53 s
